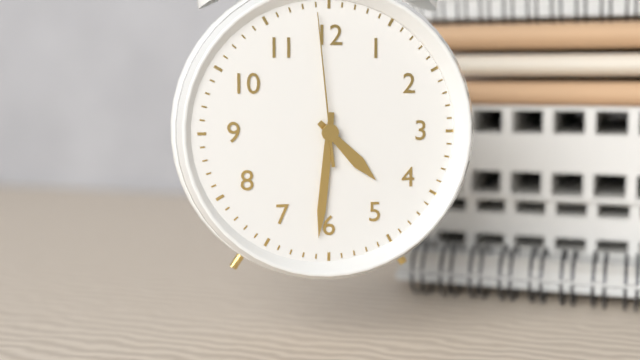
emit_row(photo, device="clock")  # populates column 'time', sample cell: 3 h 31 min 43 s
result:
4 h 31 min 59 s
